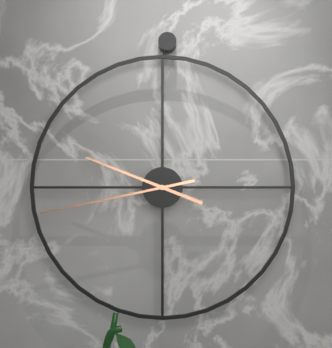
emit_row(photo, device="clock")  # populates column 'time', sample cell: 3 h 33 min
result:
9 h 43 min
